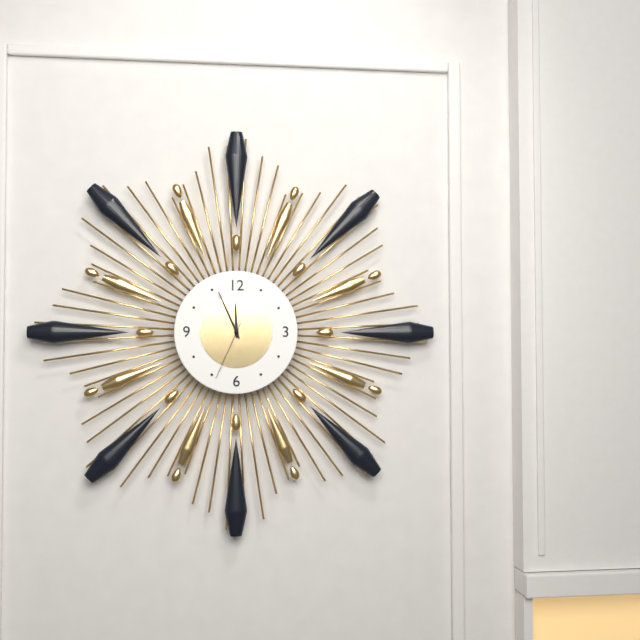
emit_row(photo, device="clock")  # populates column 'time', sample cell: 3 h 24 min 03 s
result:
11 h 56 min 34 s
